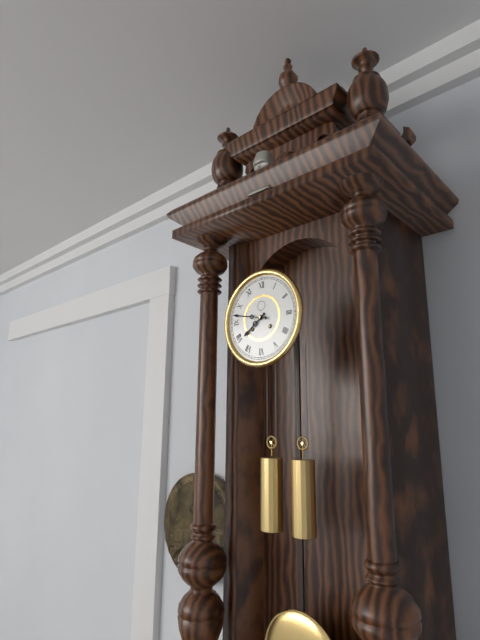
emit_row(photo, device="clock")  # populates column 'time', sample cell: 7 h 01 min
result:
7 h 47 min
